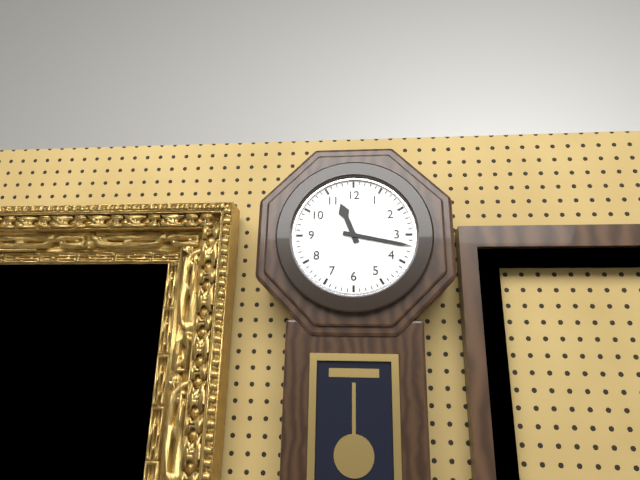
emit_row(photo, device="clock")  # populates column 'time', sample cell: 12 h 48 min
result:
11 h 17 min
